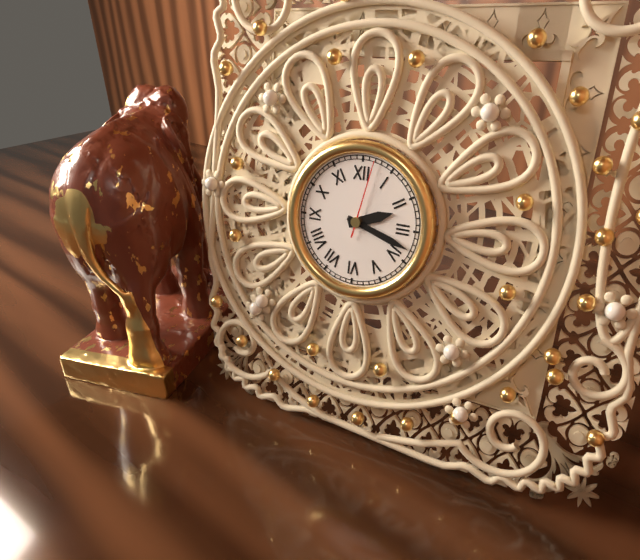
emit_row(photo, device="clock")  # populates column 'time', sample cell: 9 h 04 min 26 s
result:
2 h 18 min 02 s
